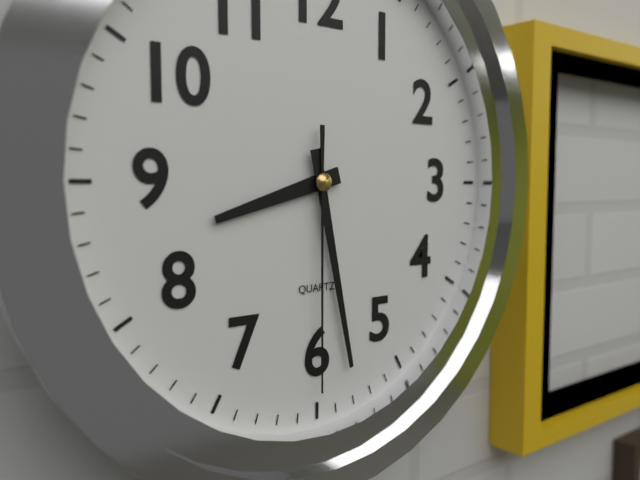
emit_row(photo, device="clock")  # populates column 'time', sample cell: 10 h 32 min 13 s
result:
8 h 28 min 30 s
